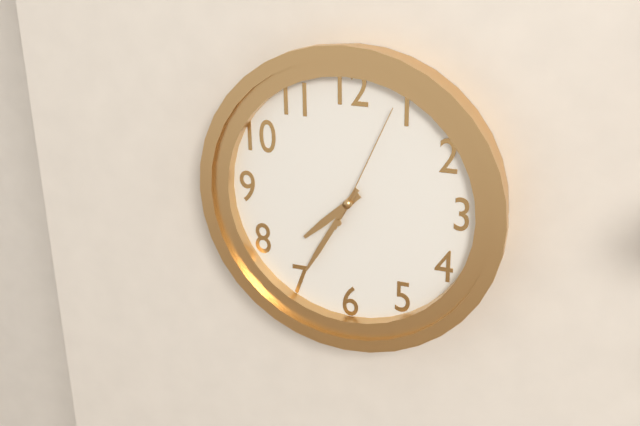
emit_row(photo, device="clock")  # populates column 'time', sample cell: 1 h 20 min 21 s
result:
7 h 35 min 04 s
